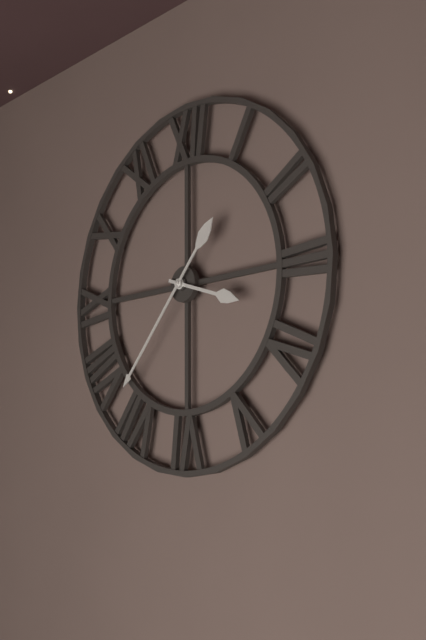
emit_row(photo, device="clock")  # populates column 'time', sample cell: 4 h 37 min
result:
3 h 37 min
